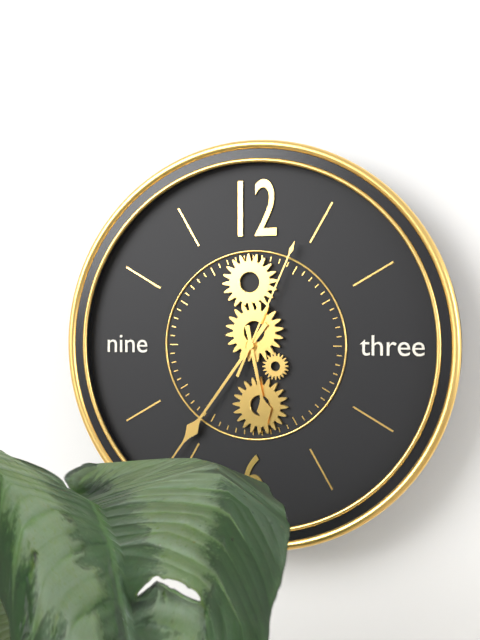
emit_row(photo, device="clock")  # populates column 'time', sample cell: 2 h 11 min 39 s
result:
5 h 36 min 04 s
